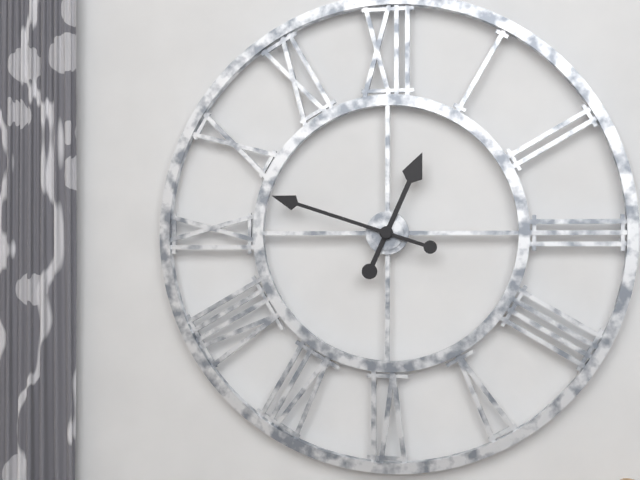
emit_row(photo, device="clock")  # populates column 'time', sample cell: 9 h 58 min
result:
12 h 48 min
